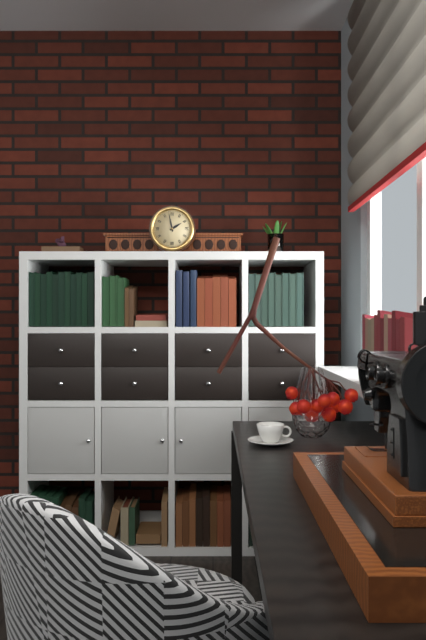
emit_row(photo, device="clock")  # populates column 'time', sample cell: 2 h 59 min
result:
1 h 58 min
